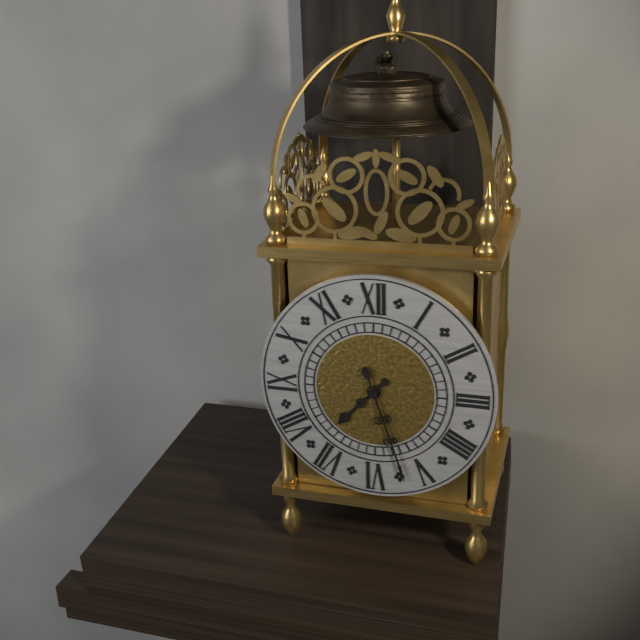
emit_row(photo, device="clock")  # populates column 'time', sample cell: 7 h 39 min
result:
7 h 27 min
